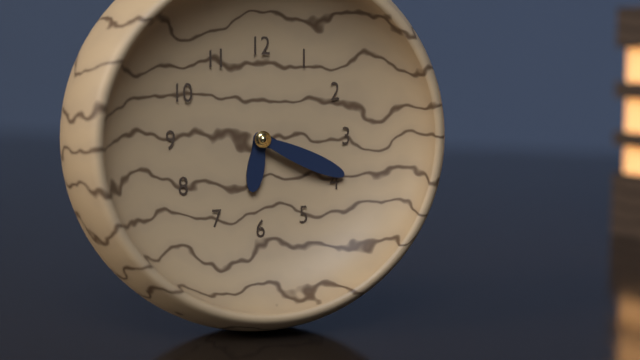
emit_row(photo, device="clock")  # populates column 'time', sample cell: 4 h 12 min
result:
6 h 19 min
